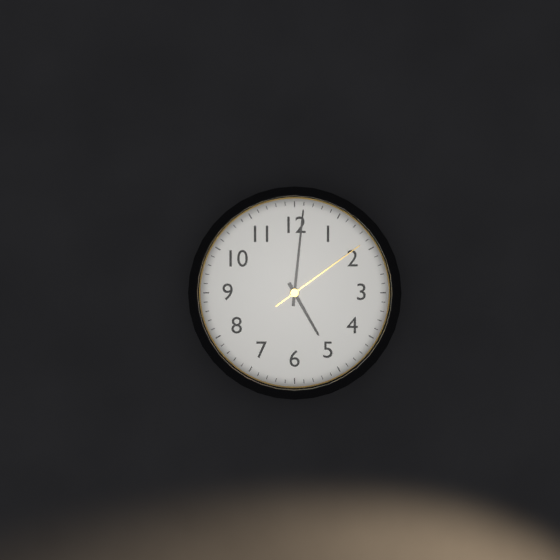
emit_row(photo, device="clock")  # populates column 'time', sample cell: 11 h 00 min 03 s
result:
5 h 01 min 09 s
